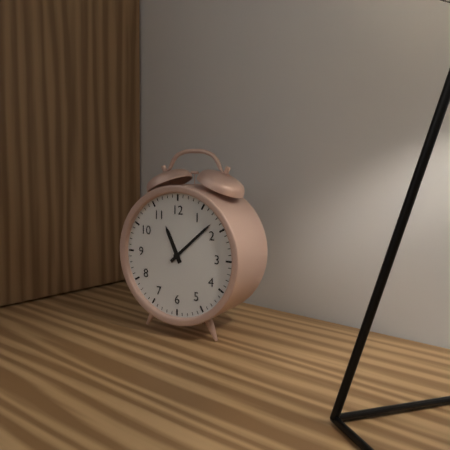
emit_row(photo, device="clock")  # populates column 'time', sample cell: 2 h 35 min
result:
11 h 08 min
